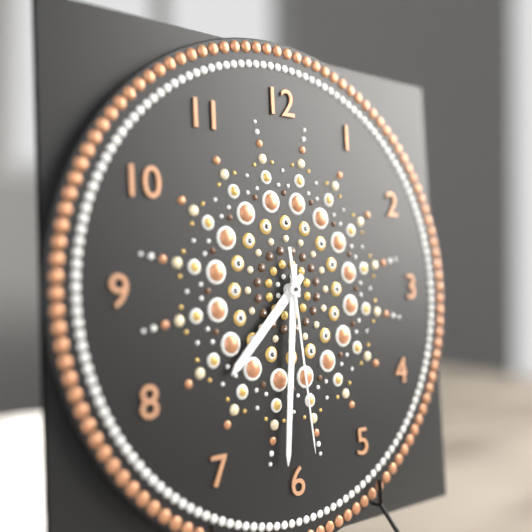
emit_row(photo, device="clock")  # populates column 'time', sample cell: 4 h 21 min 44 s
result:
7 h 31 min 29 s
